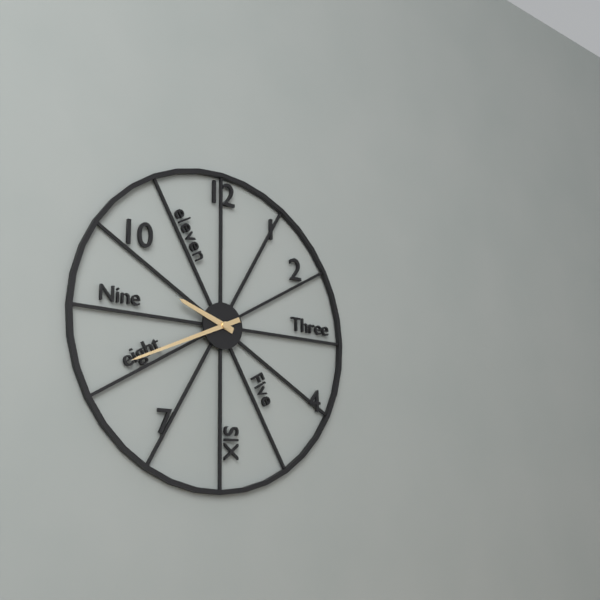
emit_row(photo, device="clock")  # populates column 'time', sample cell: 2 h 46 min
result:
9 h 41 min
